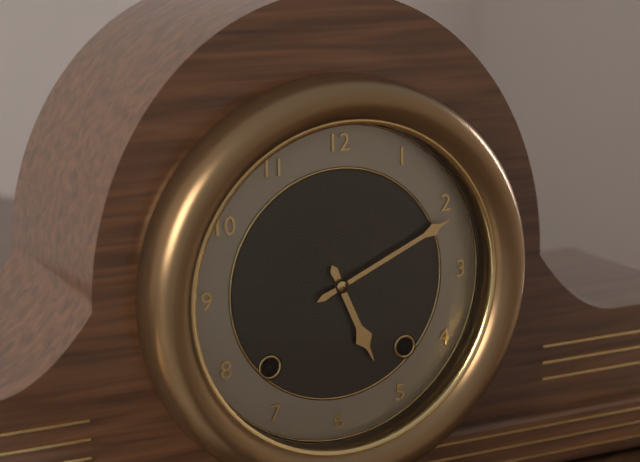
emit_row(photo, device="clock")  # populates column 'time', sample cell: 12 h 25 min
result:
5 h 11 min
